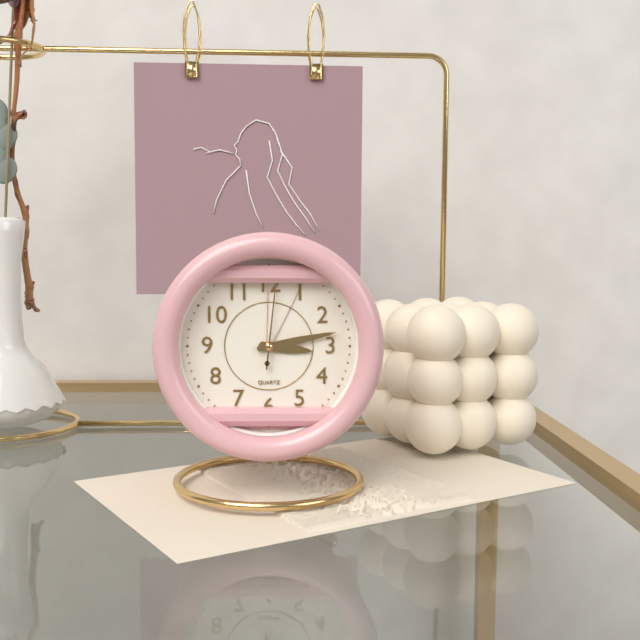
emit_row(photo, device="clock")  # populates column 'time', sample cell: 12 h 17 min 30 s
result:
3 h 13 min 01 s
